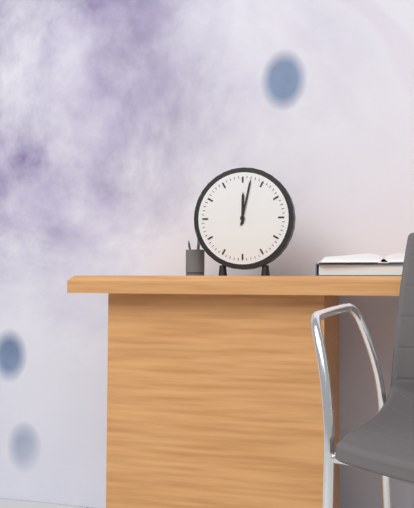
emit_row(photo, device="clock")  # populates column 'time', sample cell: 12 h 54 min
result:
12 h 02 min
